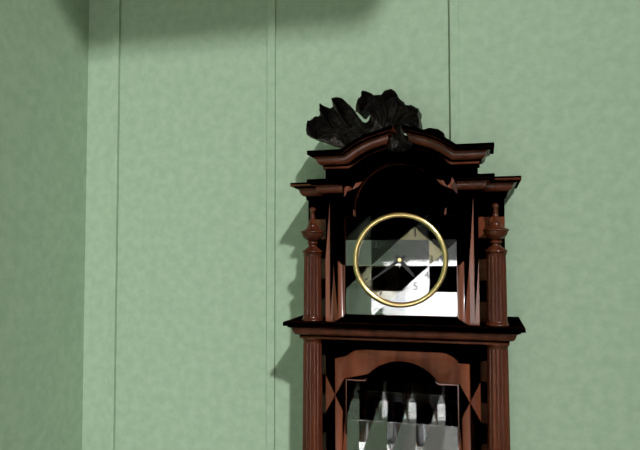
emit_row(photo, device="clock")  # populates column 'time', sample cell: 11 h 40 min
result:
4 h 39 min
